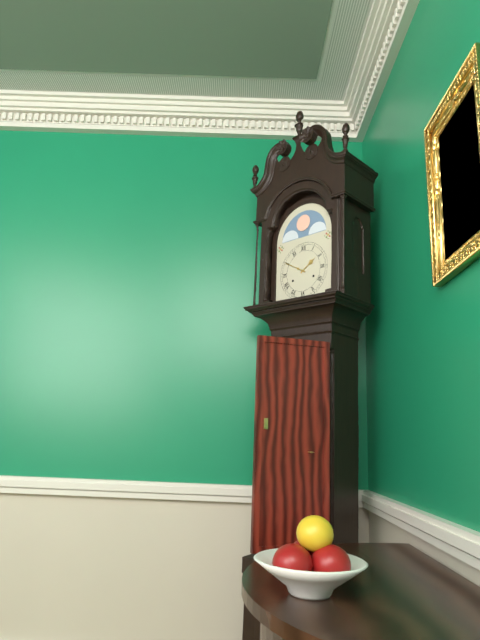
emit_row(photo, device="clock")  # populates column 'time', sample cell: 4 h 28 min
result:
1 h 50 min
